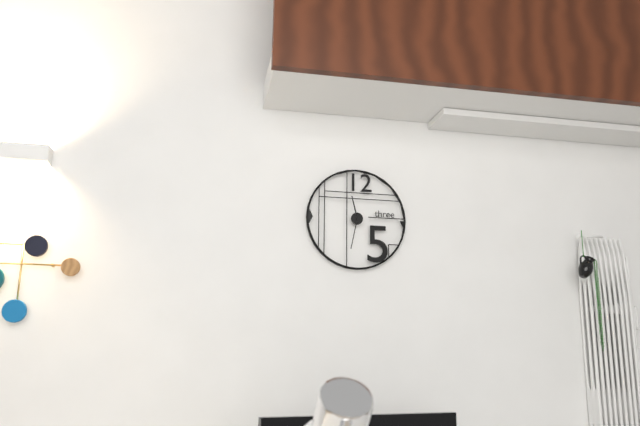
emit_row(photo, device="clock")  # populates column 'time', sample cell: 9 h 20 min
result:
11 h 32 min
